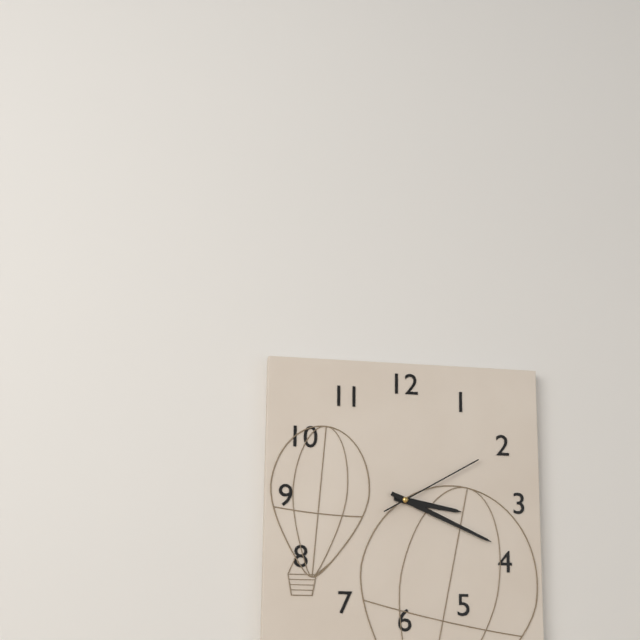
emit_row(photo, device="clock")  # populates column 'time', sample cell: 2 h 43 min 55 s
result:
3 h 19 min 10 s
